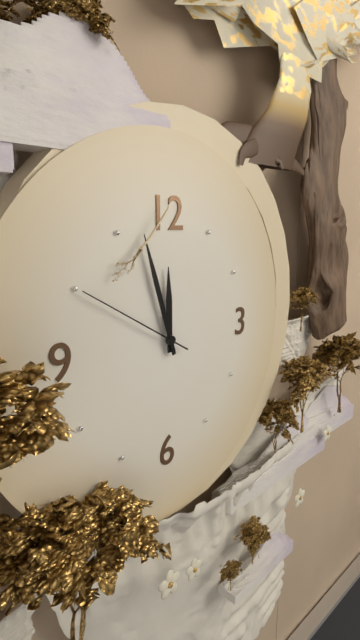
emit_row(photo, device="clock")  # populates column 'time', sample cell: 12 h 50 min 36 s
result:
11 h 57 min 50 s
